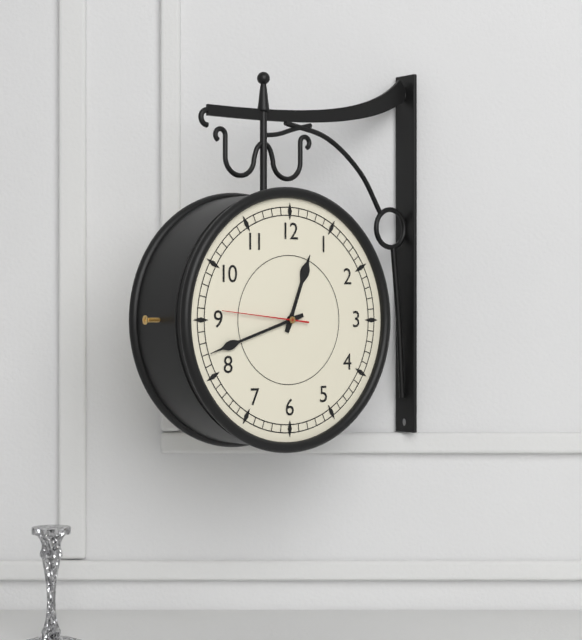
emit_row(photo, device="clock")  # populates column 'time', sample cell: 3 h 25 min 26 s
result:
12 h 42 min 46 s
